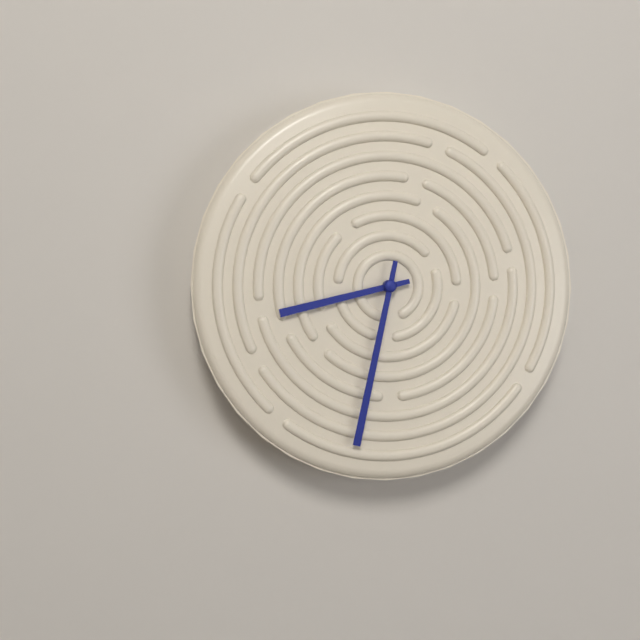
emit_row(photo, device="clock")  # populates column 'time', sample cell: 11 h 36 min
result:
8 h 32 min
